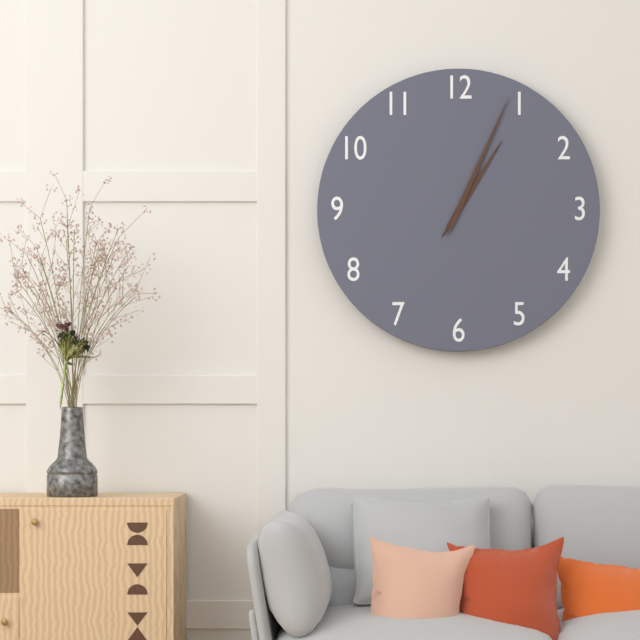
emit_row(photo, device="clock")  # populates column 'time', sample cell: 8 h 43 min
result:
1 h 04 min
